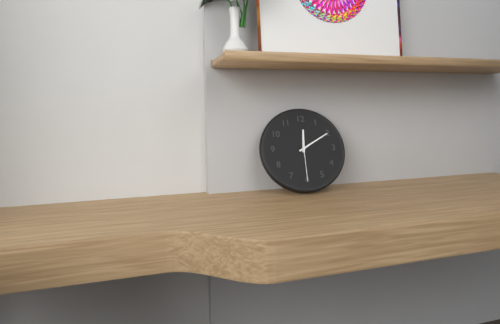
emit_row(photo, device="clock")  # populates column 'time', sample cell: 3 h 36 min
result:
12 h 10 min
